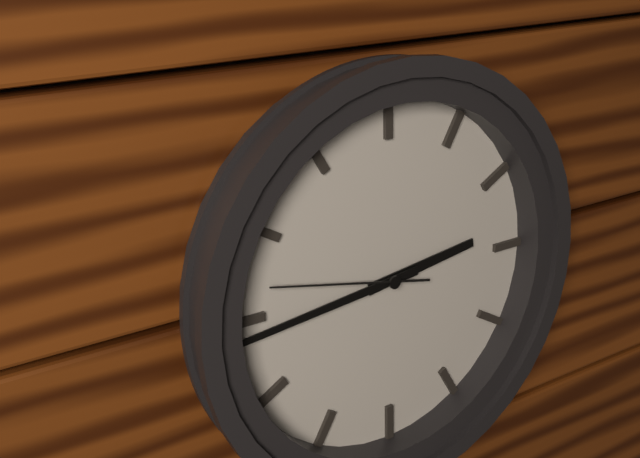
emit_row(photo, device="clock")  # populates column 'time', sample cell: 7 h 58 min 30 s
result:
2 h 44 min 47 s
